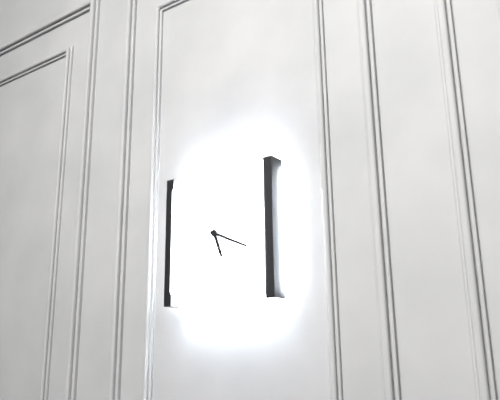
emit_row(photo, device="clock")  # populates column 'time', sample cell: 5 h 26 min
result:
5 h 19 min
